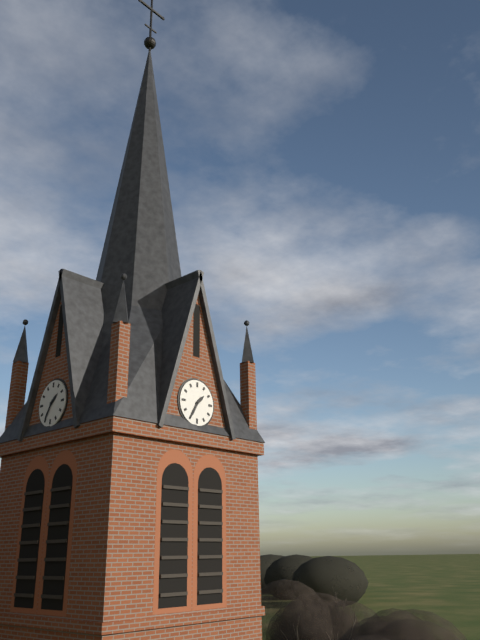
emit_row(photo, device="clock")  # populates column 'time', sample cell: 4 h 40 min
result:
1 h 35 min
